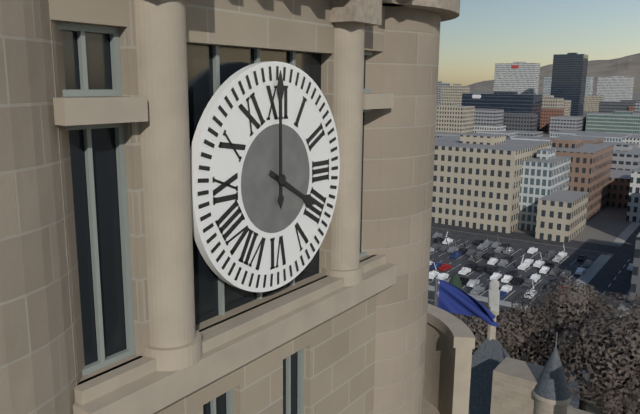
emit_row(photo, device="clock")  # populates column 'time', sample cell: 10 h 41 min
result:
4 h 00 min
